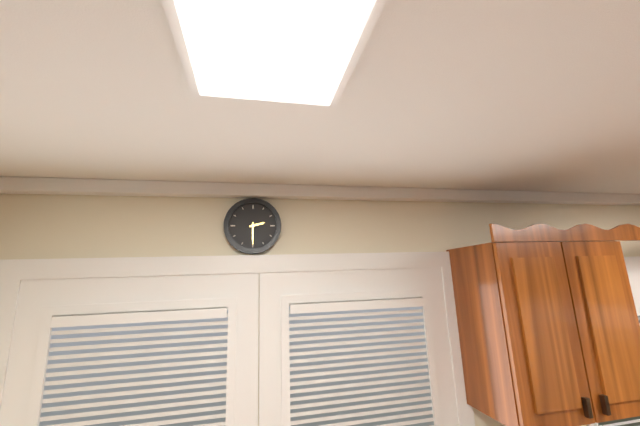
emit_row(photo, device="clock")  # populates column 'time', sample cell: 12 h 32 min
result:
2 h 30 min
